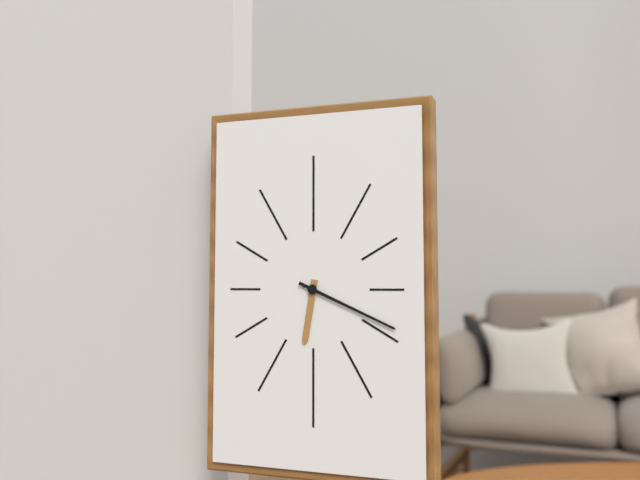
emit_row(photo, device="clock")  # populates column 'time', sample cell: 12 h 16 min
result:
6 h 19 min
